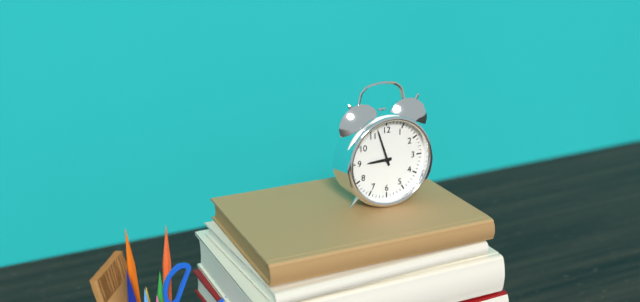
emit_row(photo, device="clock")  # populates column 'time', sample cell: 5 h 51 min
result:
8 h 57 min
